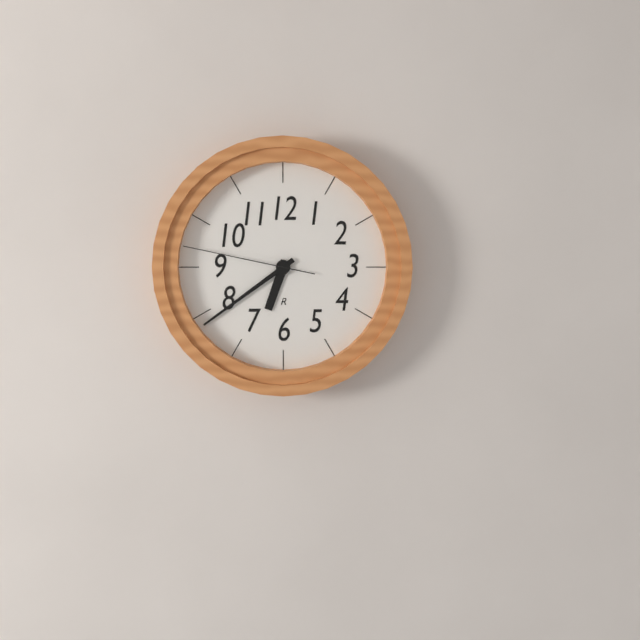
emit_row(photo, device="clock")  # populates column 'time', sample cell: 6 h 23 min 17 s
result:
6 h 39 min 47 s
